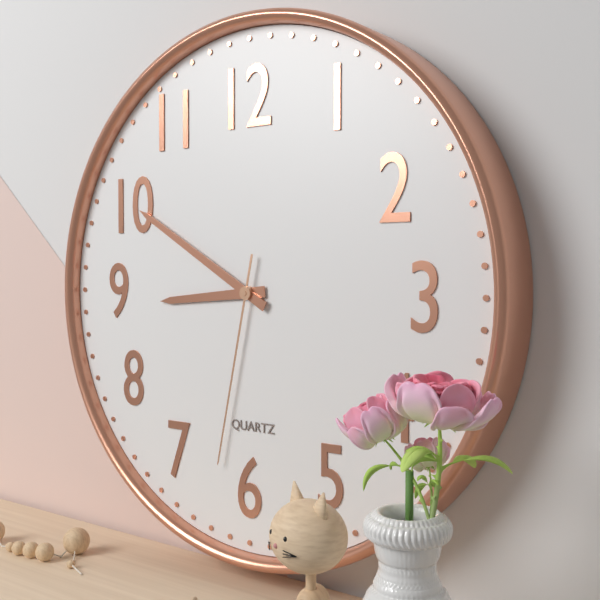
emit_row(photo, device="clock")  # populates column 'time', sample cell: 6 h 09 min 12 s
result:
8 h 50 min 32 s
